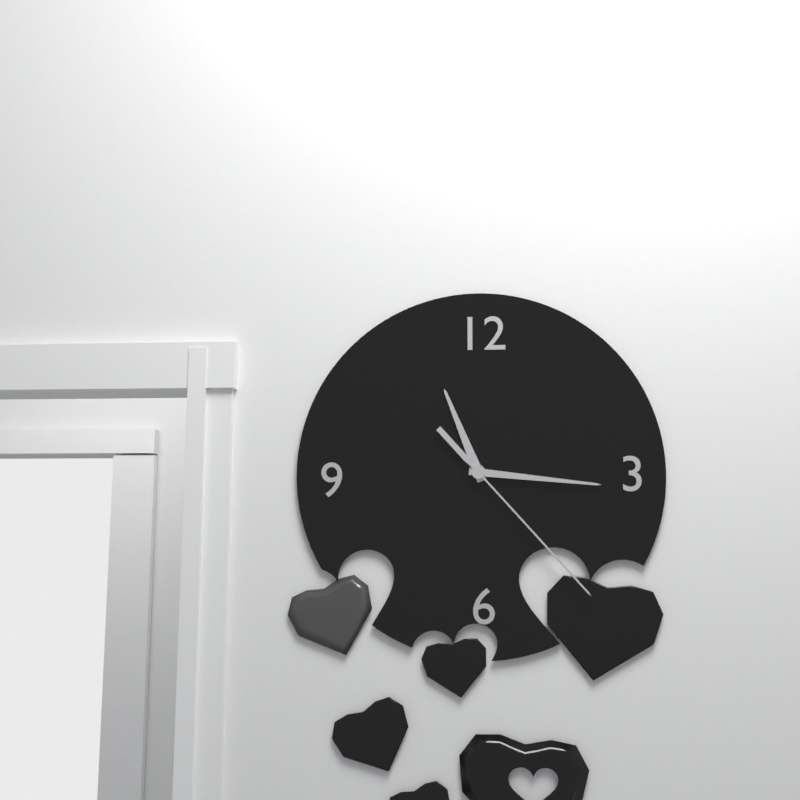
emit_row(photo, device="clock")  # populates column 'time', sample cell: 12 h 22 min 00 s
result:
11 h 16 min 23 s
